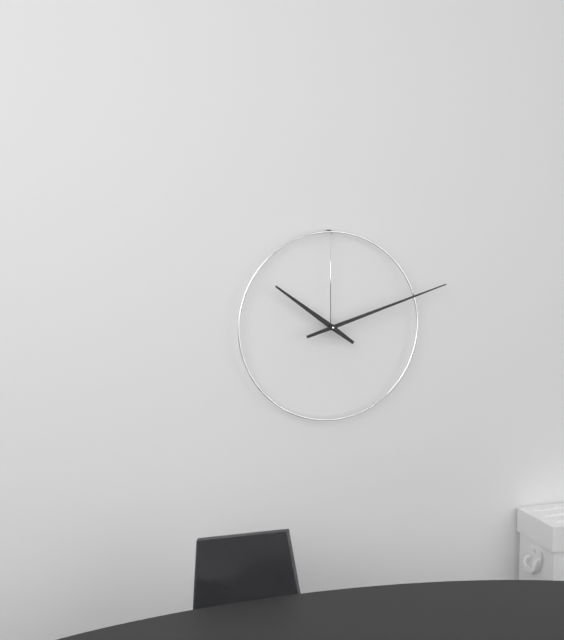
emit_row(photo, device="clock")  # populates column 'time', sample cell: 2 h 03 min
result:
10 h 12 min
